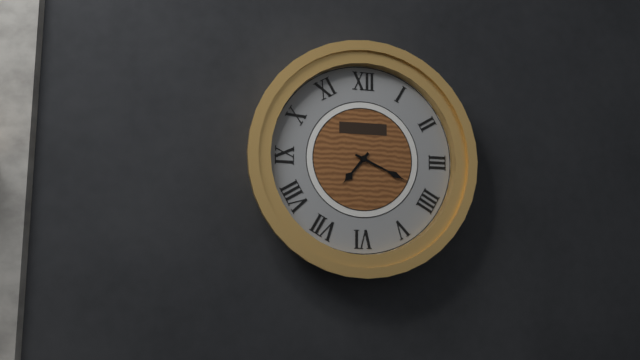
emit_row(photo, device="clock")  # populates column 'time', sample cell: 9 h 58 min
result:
7 h 19 min
